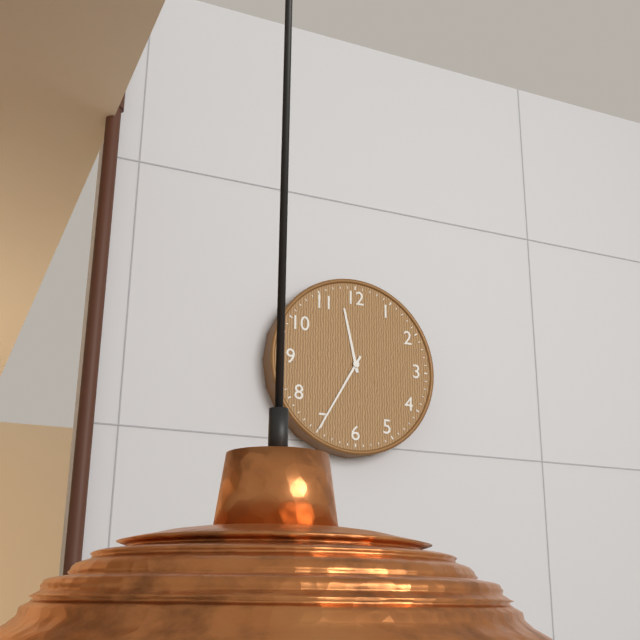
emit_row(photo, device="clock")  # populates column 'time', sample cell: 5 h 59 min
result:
11 h 35 min
